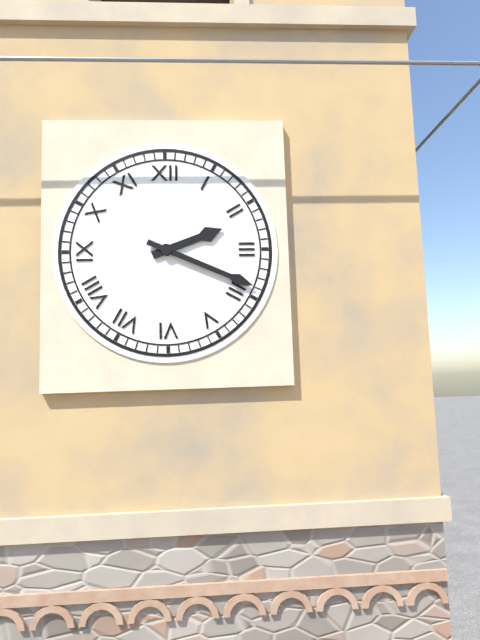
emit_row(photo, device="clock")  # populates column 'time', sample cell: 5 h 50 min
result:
2 h 19 min
